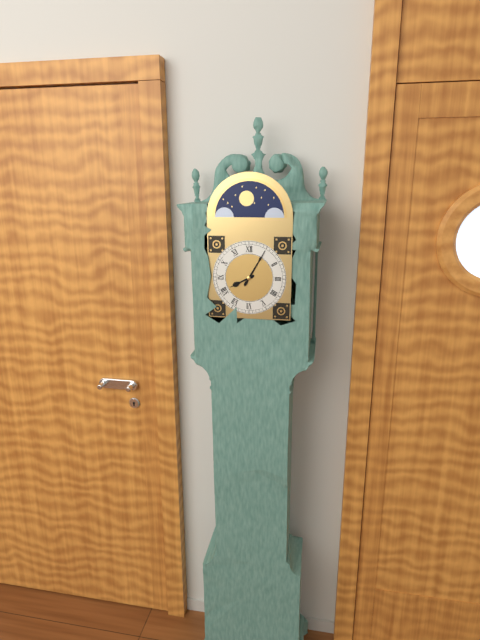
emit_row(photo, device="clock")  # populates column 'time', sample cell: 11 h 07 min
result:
8 h 05 min
